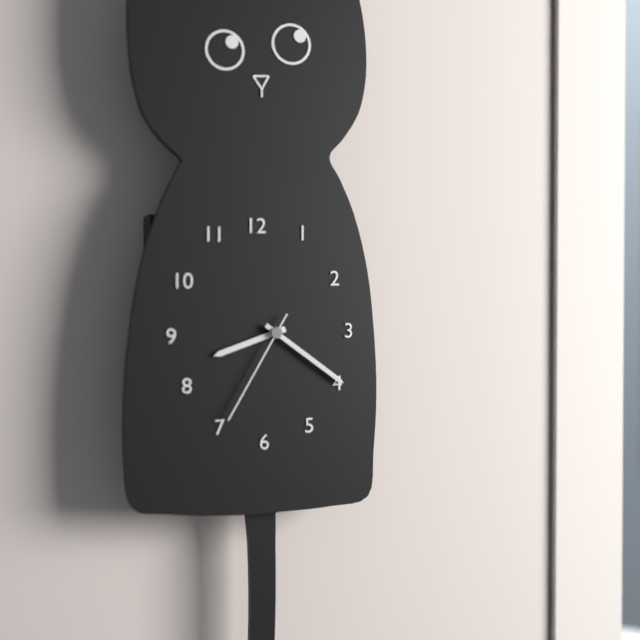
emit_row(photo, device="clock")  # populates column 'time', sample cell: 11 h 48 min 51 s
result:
8 h 21 min 35 s
